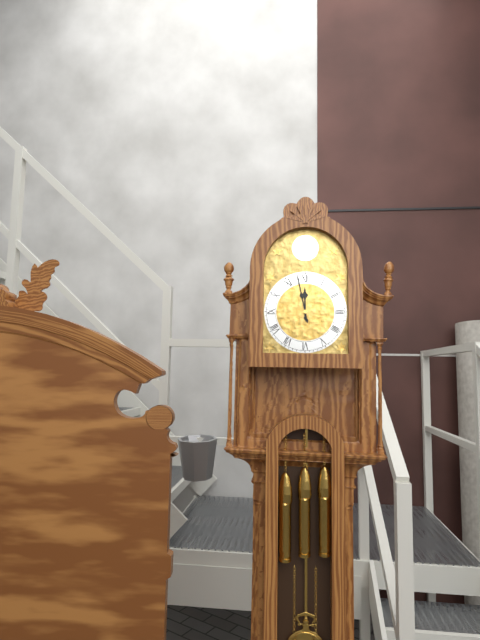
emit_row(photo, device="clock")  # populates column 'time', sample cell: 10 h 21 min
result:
11 h 58 min
